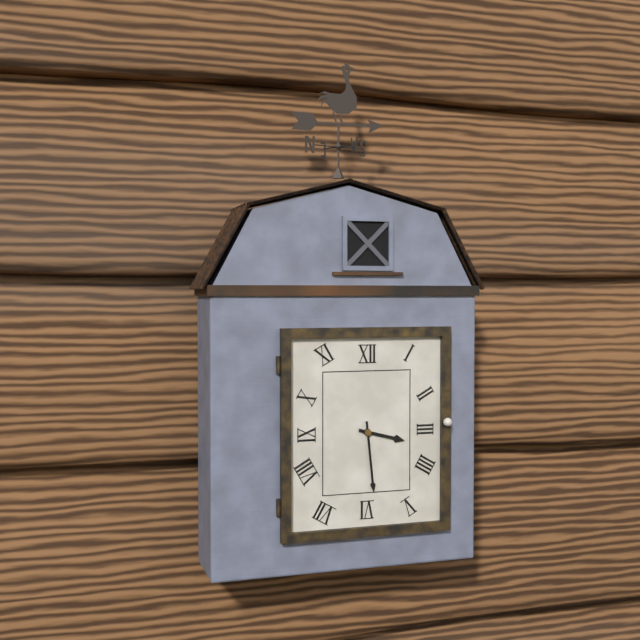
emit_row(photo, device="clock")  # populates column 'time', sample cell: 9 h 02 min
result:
3 h 29 min
